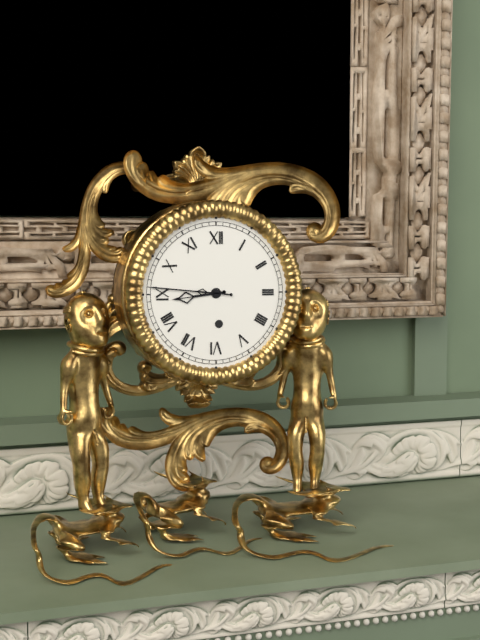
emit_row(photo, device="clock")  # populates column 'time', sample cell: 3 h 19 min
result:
8 h 46 min
